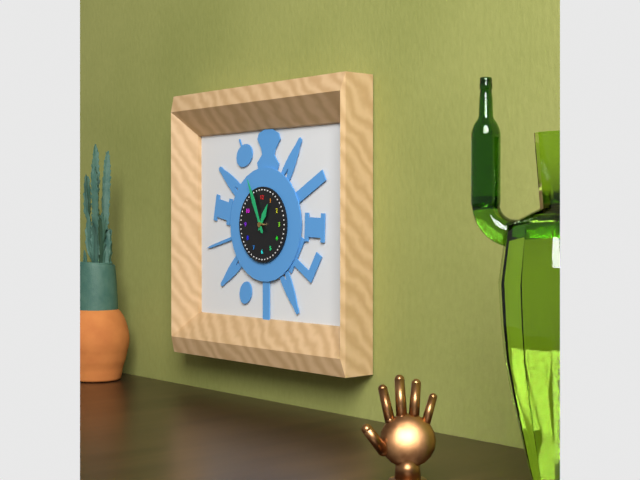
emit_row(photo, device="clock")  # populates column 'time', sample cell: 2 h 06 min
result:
12 h 56 min
